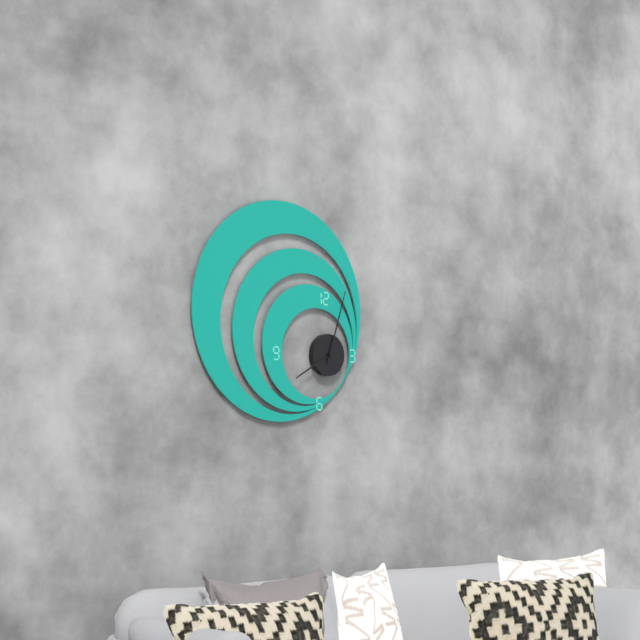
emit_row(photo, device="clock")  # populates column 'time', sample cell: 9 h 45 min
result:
8 h 03 min
